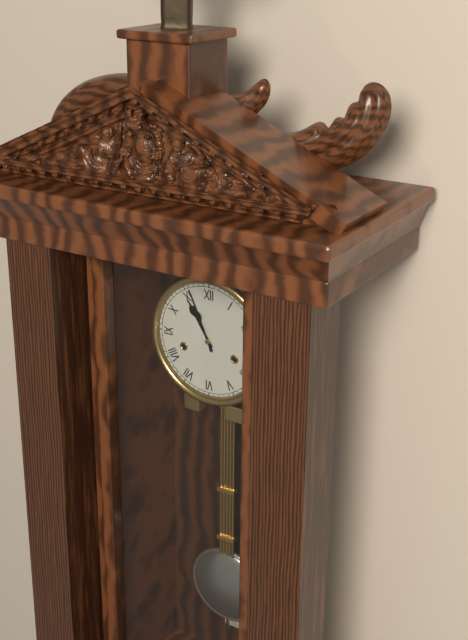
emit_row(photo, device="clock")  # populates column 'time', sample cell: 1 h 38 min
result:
10 h 56 min
